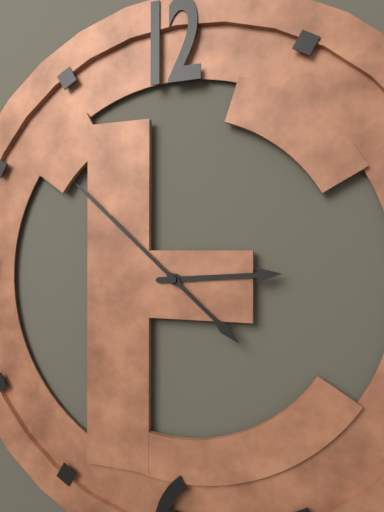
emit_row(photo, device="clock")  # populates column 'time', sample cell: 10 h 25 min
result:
2 h 52 min
